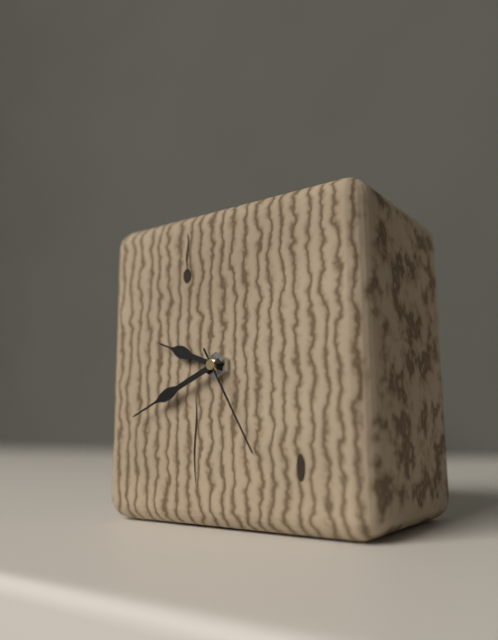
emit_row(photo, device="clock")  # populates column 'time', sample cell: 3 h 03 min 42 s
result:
9 h 41 min 25 s
